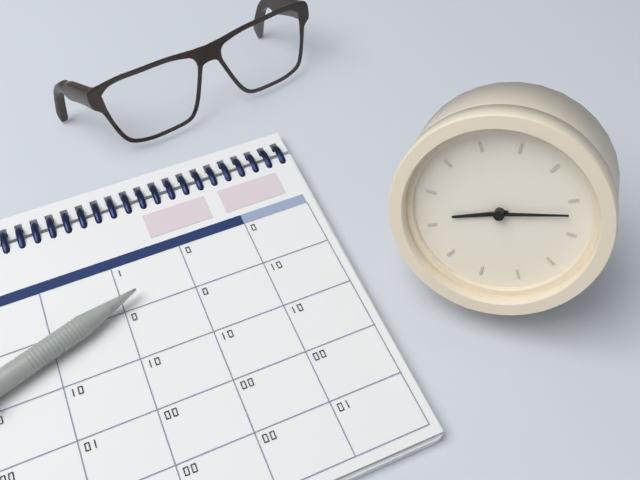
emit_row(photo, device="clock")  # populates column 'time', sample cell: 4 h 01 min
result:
8 h 12 min
